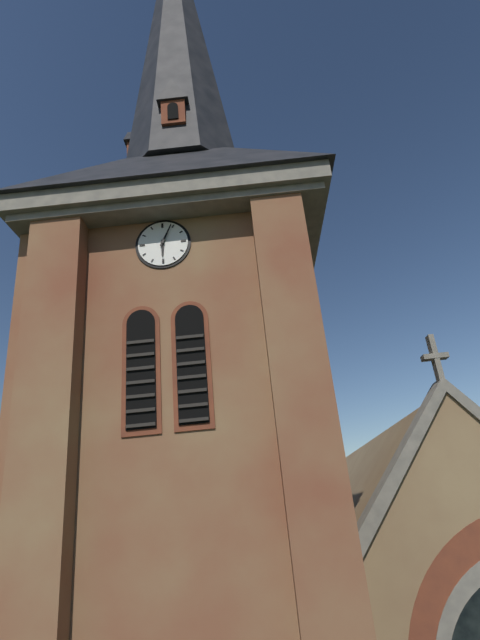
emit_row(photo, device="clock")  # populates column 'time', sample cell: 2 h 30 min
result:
6 h 04 min
